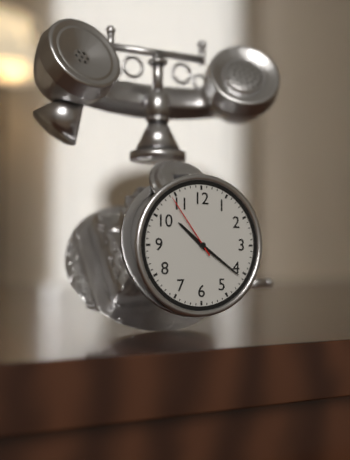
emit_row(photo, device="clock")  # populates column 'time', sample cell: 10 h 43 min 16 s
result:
10 h 21 min 54 s
